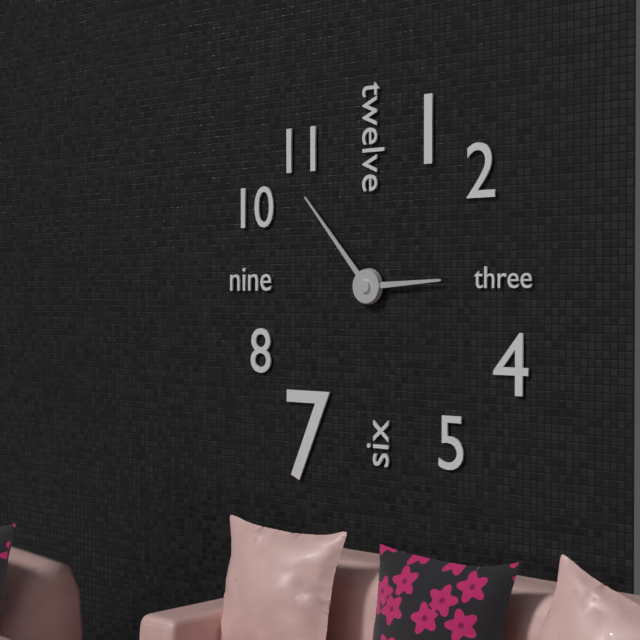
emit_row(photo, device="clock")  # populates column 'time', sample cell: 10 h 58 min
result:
2 h 53 min
